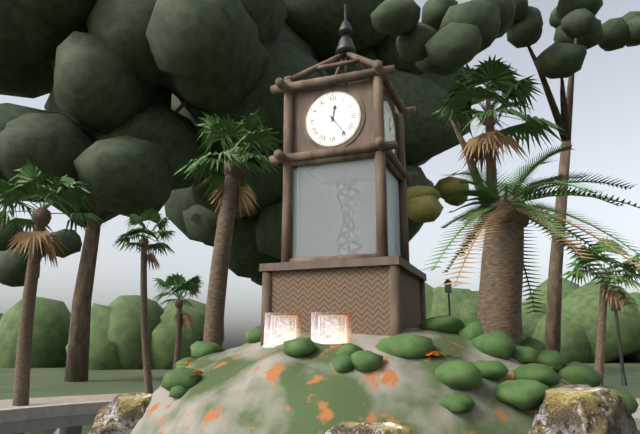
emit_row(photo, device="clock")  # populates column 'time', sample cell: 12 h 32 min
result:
12 h 24 min
